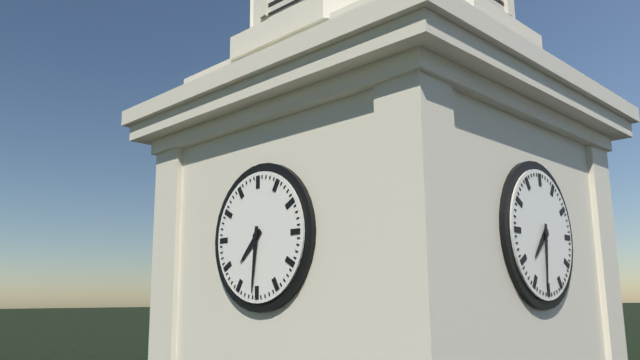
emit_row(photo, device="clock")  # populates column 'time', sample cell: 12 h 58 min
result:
7 h 31 min
